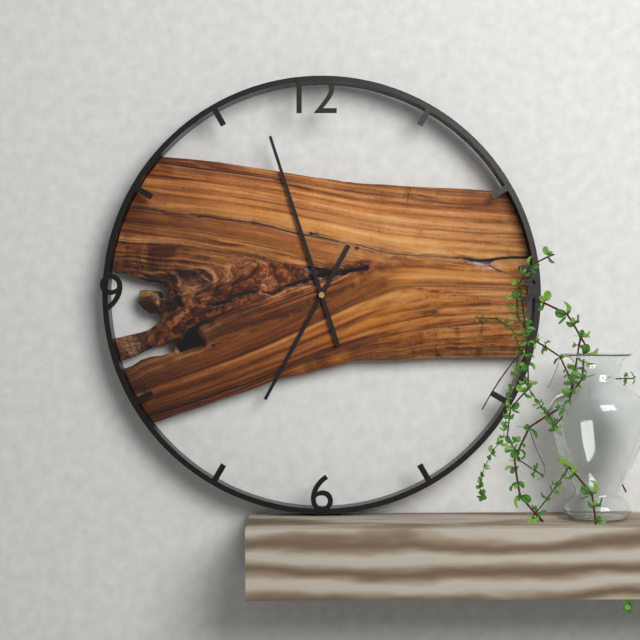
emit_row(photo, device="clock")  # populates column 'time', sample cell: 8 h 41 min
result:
6 h 57 min
